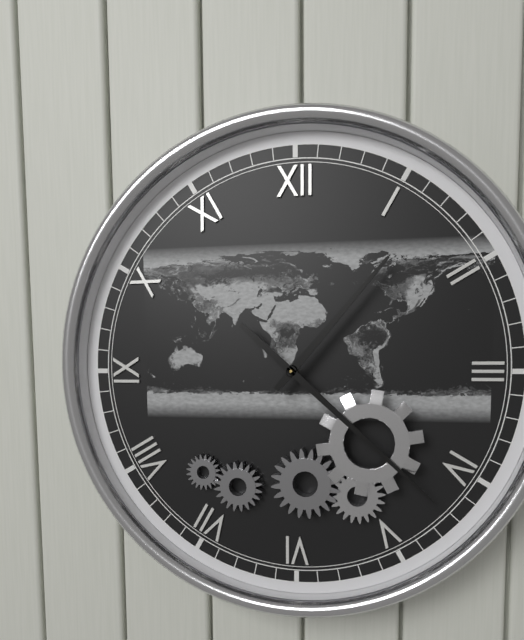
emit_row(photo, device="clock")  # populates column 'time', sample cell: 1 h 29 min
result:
1 h 22 min
